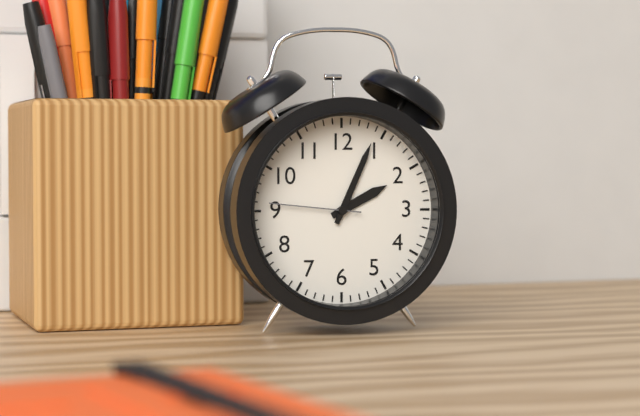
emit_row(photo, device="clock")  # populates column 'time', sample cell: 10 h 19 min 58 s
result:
2 h 04 min 46 s
